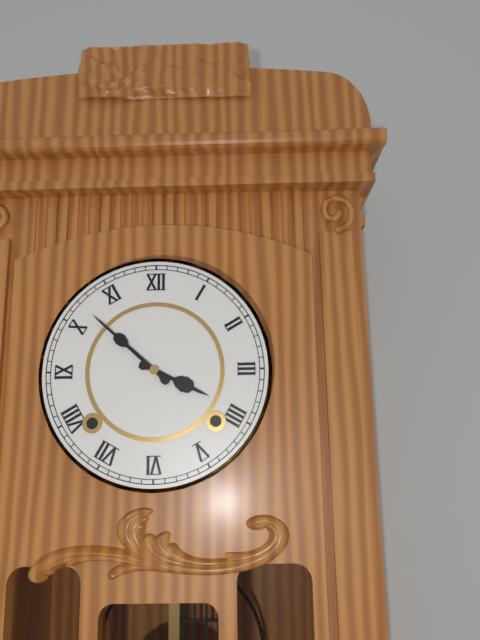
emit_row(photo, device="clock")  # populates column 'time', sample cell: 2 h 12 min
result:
3 h 52 min
